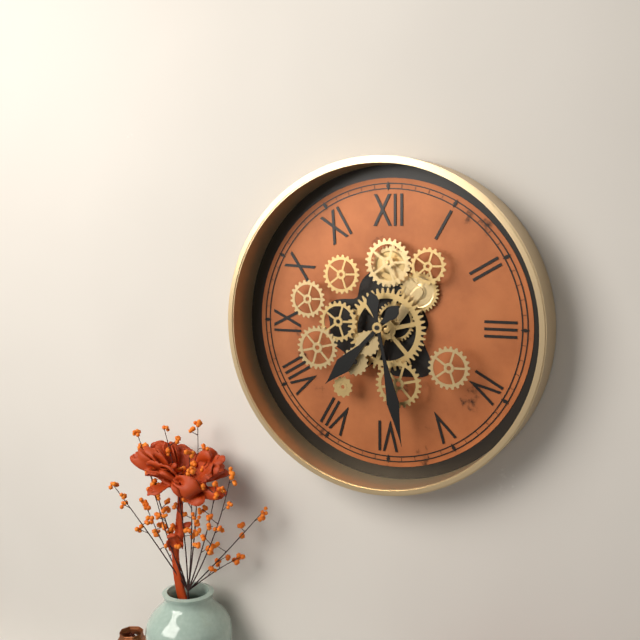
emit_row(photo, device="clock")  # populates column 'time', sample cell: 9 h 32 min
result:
7 h 28 min
